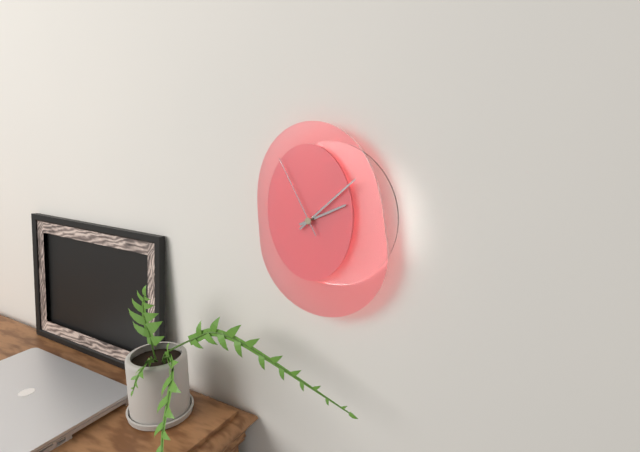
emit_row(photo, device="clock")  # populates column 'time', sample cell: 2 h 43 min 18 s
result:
2 h 08 min 55 s
